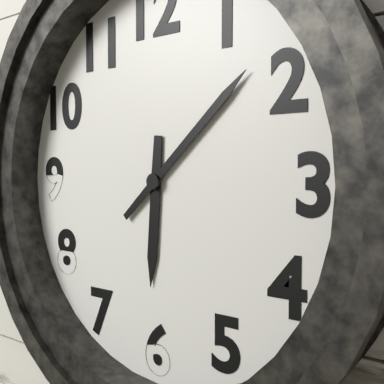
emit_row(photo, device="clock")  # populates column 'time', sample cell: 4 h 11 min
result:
6 h 08 min
